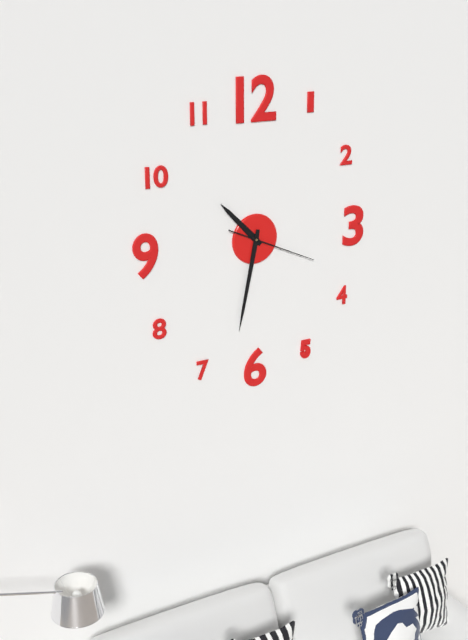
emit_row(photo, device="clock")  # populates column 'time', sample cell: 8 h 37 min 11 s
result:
10 h 32 min 19 s
